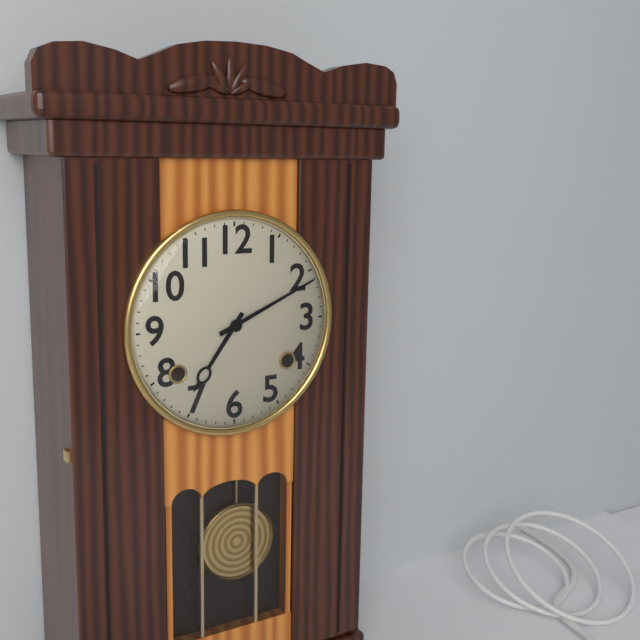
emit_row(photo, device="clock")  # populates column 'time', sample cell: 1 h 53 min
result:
7 h 11 min
